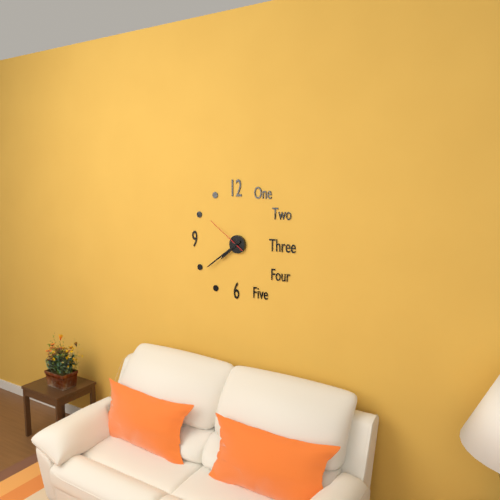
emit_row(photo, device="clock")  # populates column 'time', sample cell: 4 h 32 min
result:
7 h 39 min
